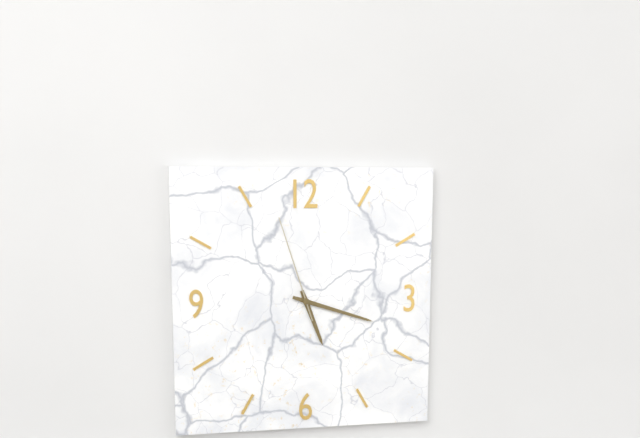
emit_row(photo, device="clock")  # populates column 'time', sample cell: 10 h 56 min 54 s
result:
5 h 18 min 57 s
